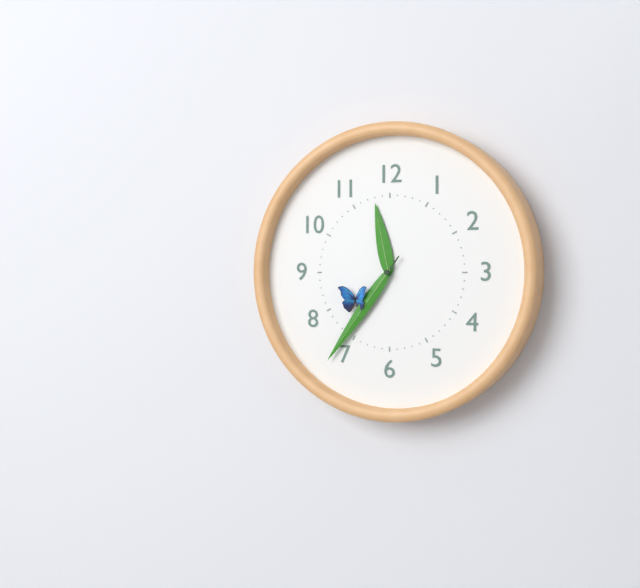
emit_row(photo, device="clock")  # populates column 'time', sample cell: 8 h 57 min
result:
11 h 36 min
